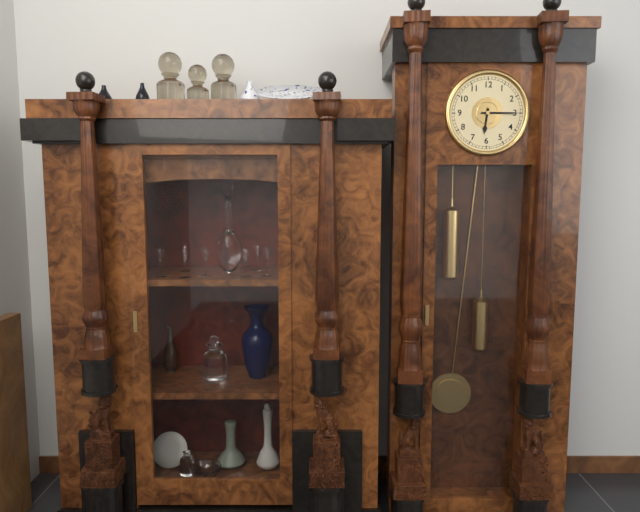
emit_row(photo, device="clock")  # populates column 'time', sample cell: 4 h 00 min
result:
6 h 15 min
